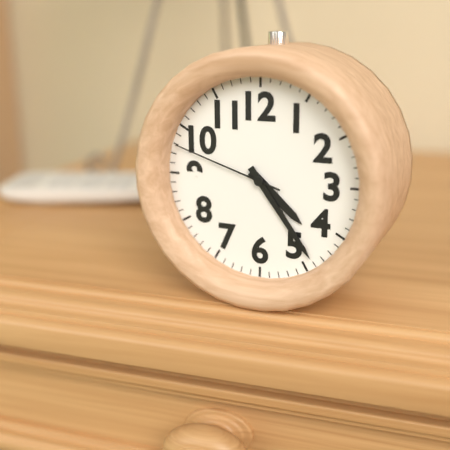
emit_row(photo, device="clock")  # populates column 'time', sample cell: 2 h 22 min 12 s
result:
4 h 24 min 48 s
